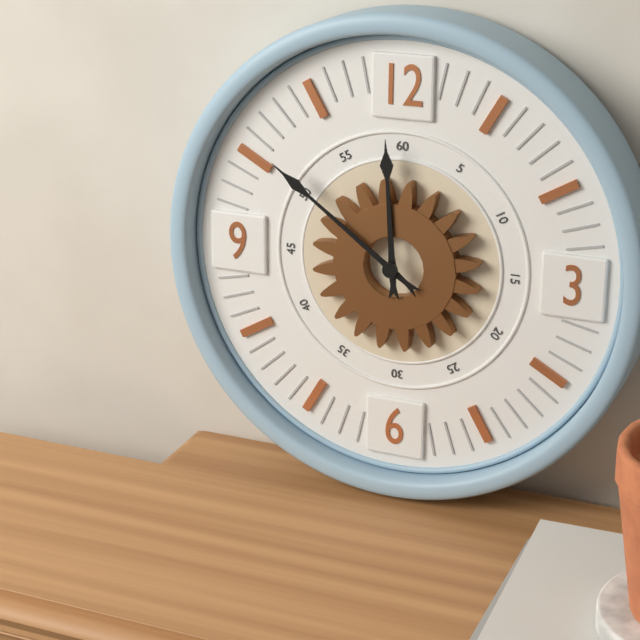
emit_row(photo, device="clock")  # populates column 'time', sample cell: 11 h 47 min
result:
11 h 51 min
